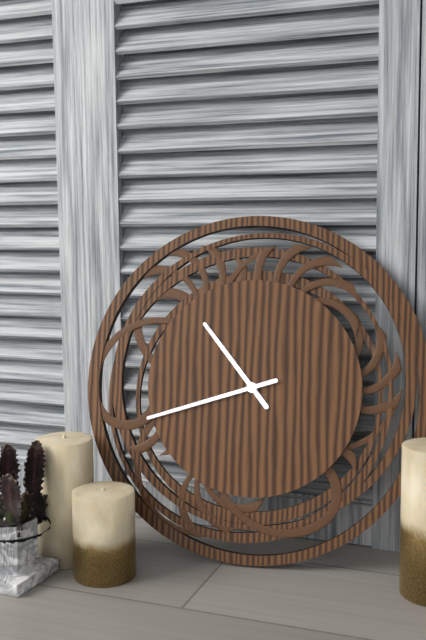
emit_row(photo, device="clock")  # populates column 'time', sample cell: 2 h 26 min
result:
10 h 42 min
